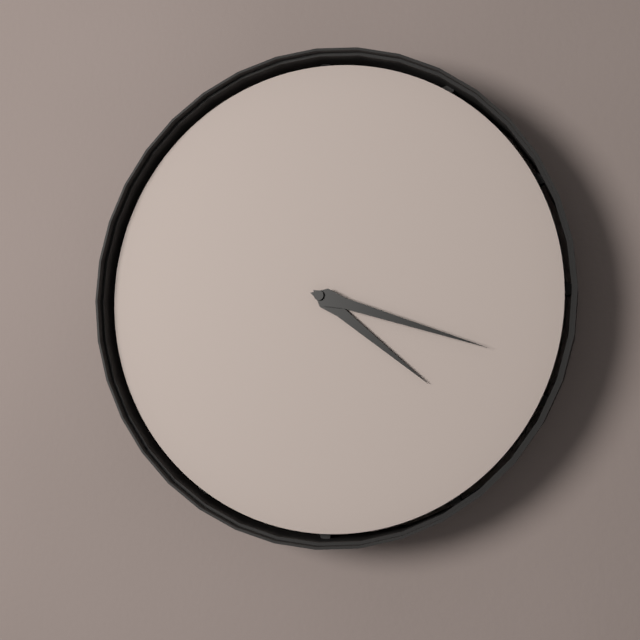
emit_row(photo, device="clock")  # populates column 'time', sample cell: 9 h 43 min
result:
4 h 18 min
